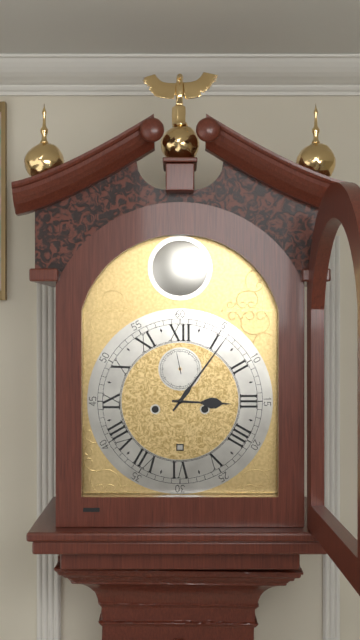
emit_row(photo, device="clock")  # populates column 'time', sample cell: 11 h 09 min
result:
3 h 06 min
